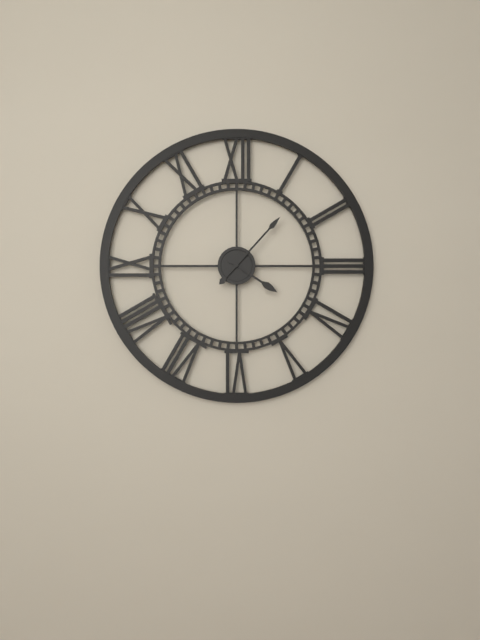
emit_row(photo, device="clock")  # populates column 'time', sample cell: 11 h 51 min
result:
4 h 07 min
